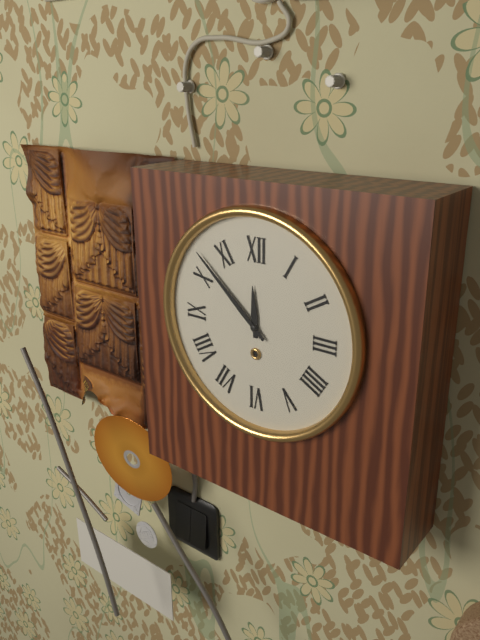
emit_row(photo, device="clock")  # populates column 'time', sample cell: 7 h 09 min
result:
11 h 52 min
